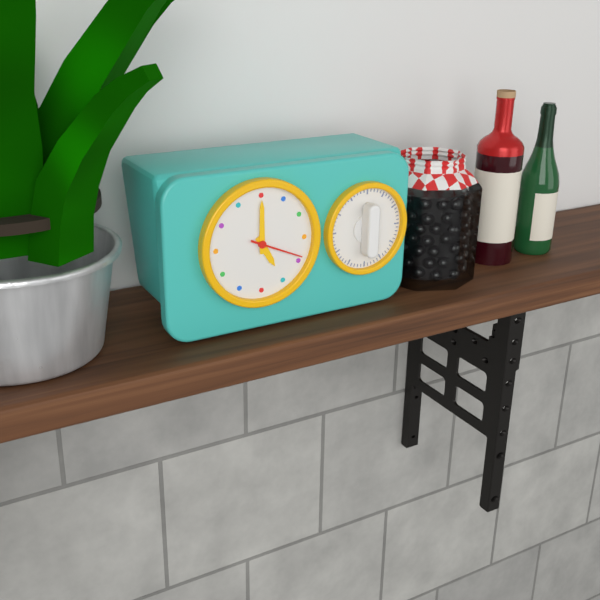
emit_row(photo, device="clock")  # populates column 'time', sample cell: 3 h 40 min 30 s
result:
5 h 00 min 19 s
